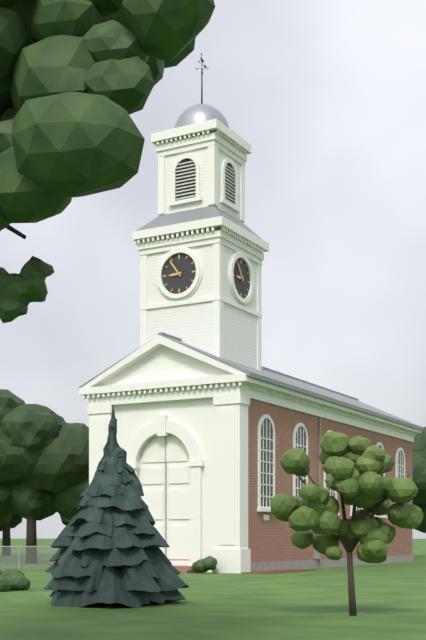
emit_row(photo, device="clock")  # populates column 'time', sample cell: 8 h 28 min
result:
8 h 54 min
